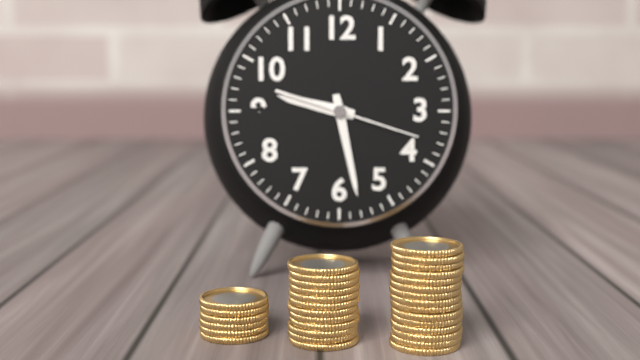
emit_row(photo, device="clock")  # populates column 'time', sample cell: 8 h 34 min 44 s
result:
9 h 28 min 18 s
